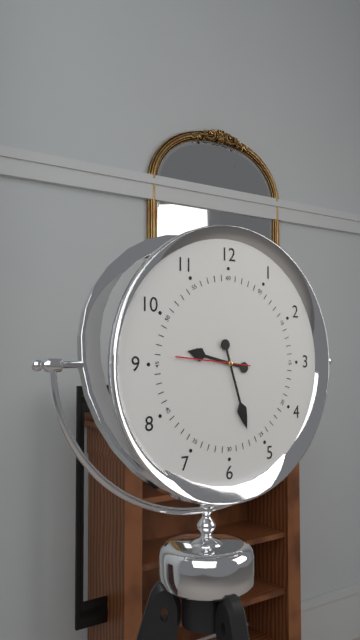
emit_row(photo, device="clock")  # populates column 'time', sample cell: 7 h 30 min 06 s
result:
9 h 27 min 46 s
